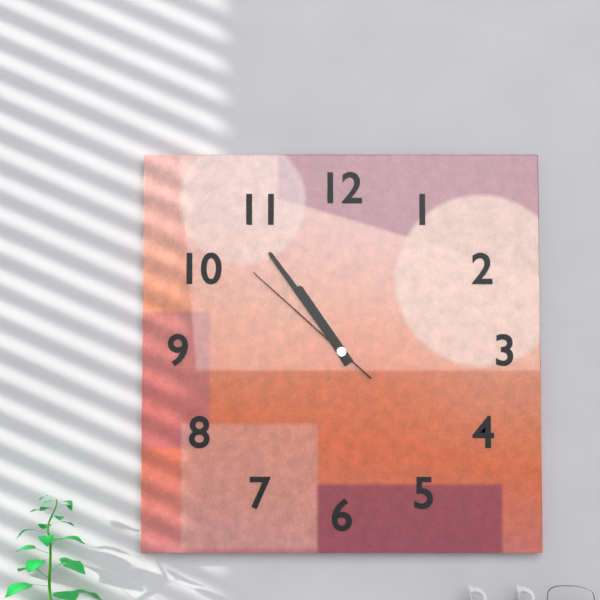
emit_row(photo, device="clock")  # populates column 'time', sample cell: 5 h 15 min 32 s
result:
10 h 54 min 52 s
